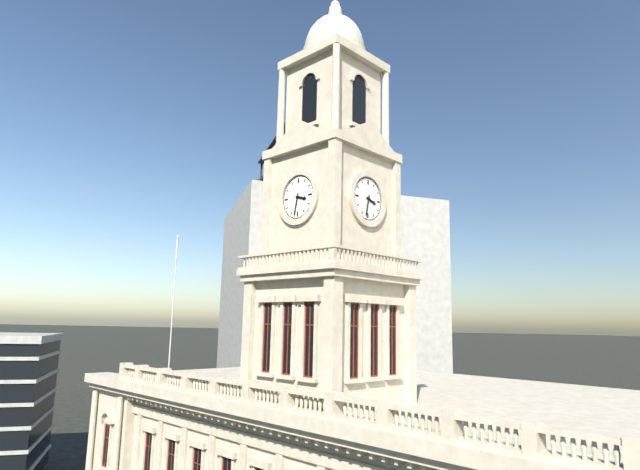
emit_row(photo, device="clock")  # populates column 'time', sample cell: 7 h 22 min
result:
3 h 32 min
